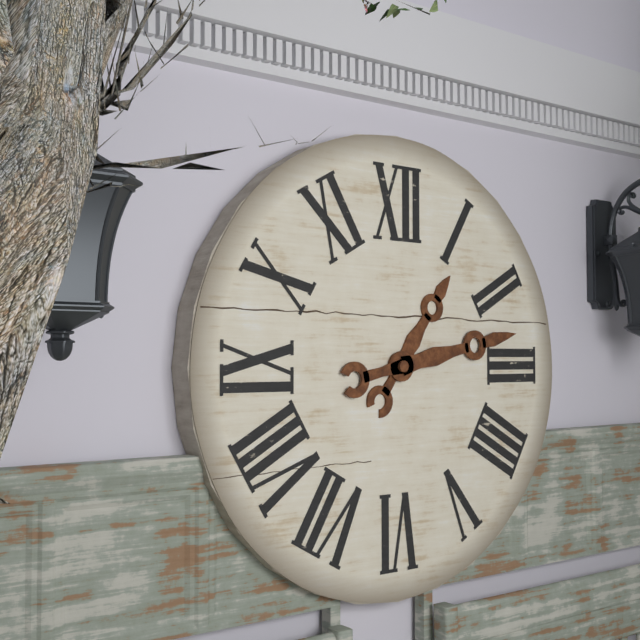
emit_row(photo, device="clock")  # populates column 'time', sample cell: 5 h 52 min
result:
1 h 13 min
